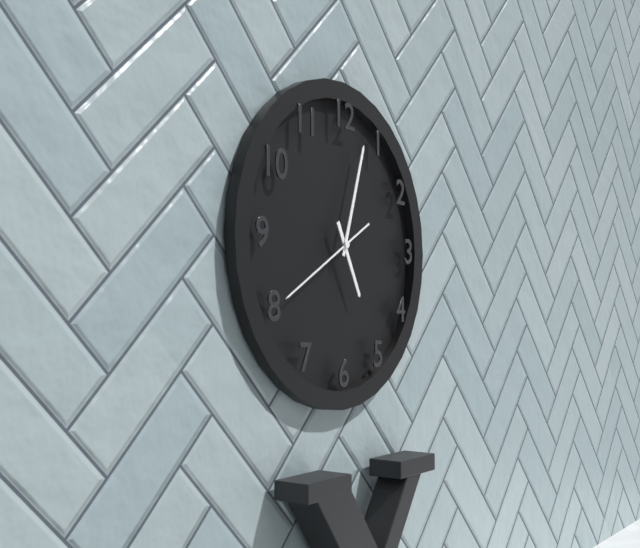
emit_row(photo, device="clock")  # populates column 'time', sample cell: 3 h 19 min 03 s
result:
5 h 03 min 40 s
